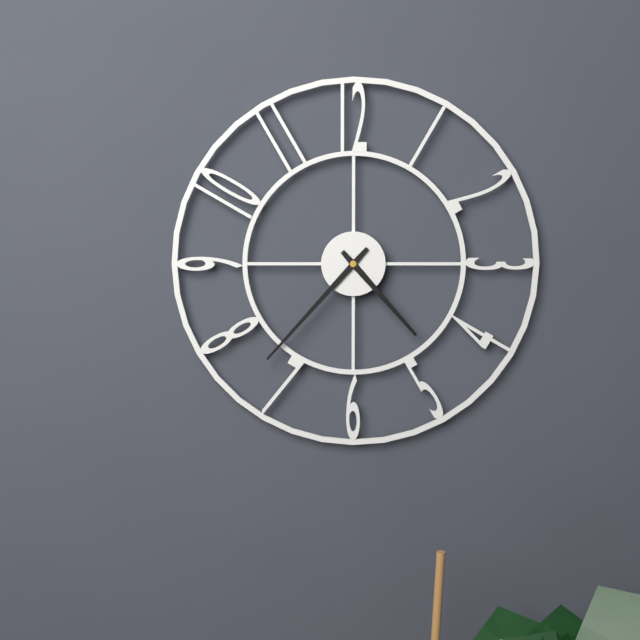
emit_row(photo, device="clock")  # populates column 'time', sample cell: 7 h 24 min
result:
4 h 37 min
